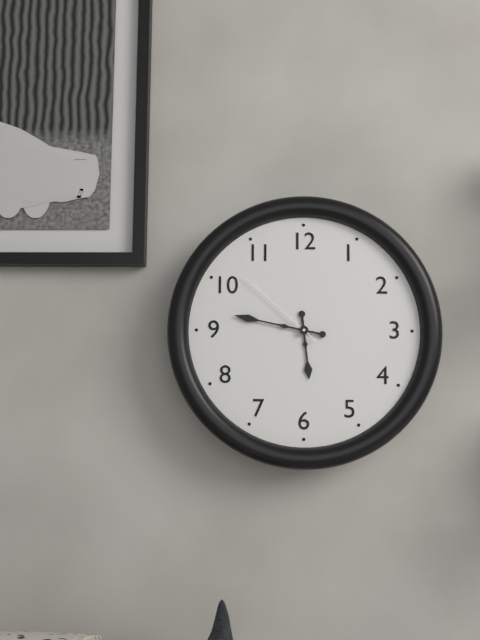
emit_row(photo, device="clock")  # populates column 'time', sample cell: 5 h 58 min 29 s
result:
5 h 47 min 52 s
